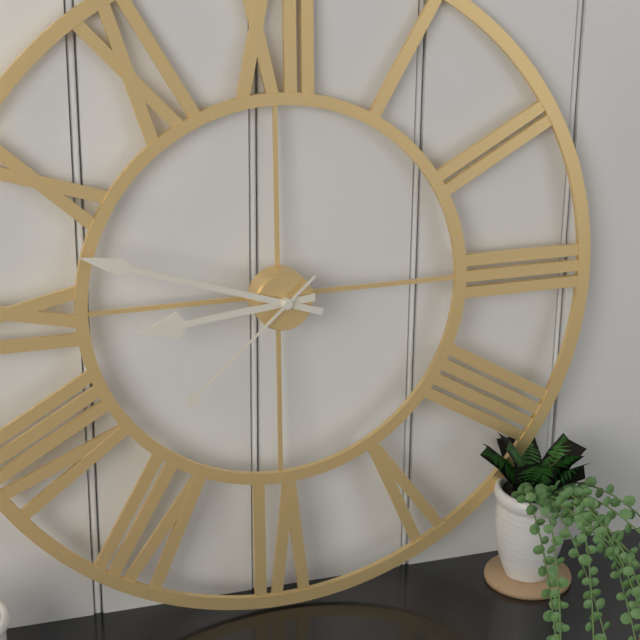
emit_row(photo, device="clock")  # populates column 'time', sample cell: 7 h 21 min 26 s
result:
8 h 48 min 38 s
